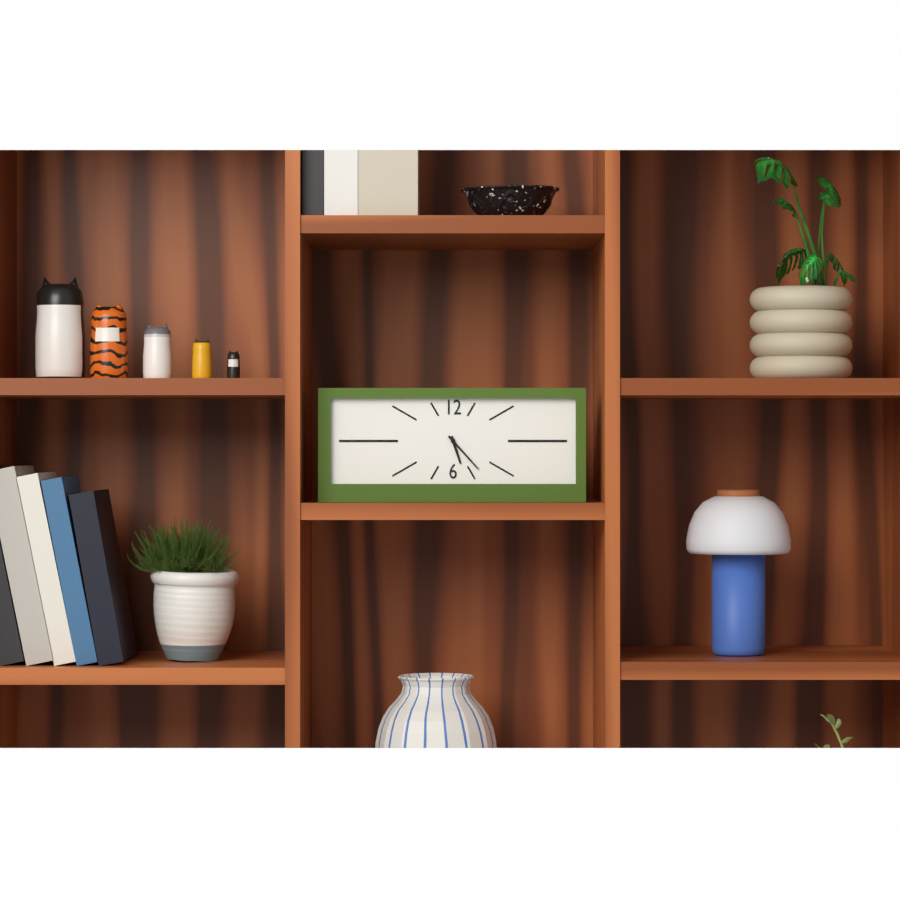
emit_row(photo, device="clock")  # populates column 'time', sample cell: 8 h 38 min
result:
5 h 23 min
